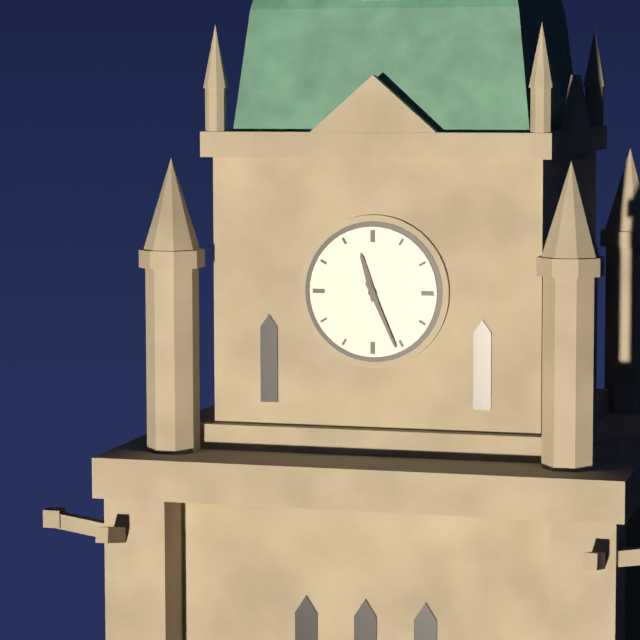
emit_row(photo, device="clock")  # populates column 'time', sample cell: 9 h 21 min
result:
11 h 26 min
